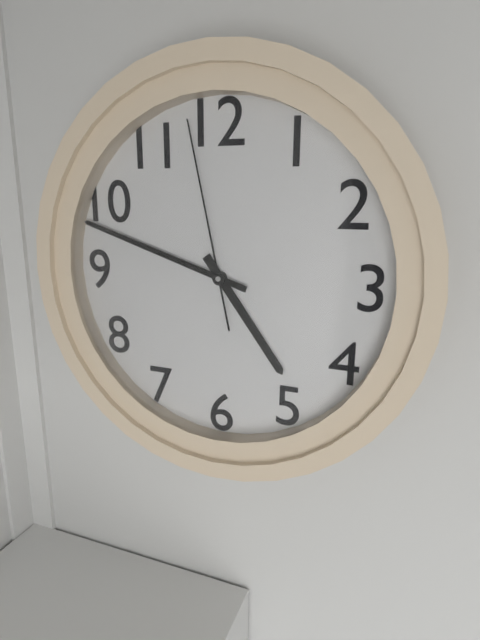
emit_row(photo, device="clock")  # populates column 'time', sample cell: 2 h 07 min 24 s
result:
4 h 48 min 58 s
